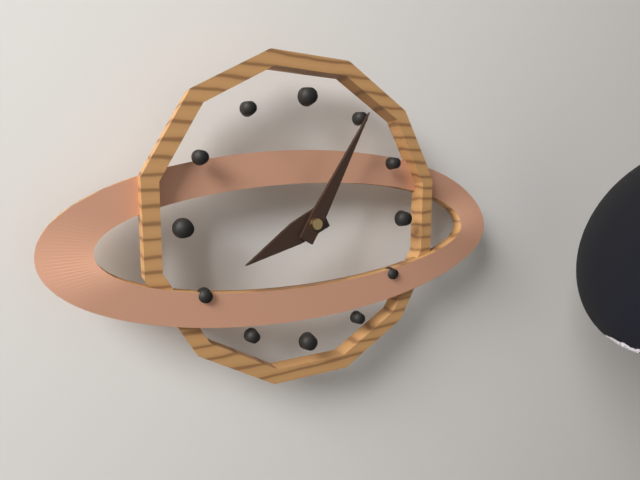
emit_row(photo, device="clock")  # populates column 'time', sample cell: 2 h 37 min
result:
8 h 05 min
